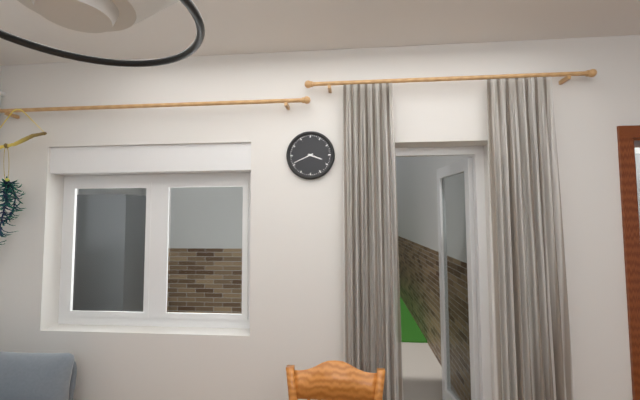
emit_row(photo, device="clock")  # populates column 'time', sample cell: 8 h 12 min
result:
3 h 41 min
